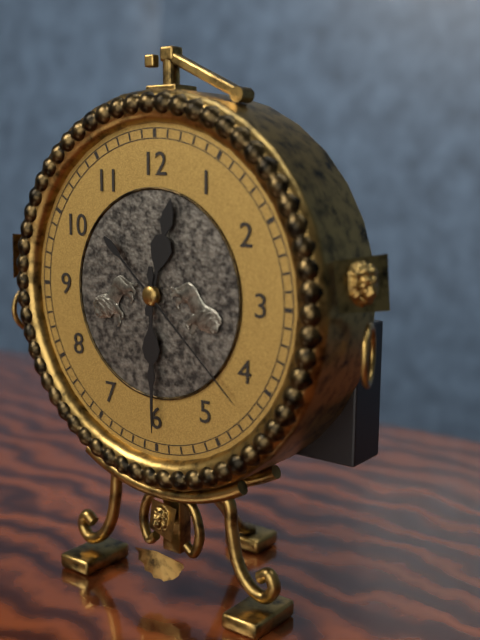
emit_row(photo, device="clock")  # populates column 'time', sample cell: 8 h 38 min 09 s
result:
12 h 30 min 22 s
